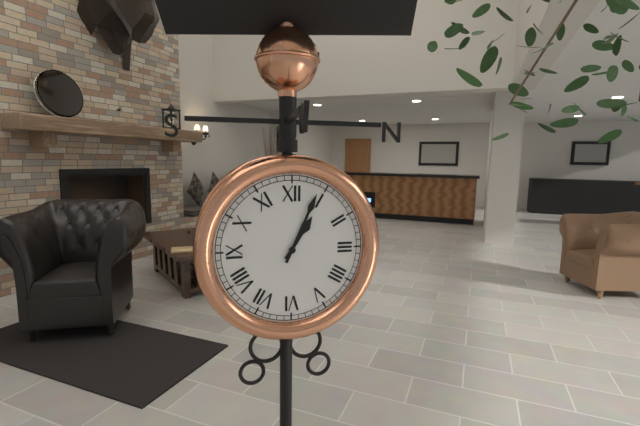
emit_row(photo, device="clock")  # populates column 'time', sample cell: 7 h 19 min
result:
1 h 04 min
